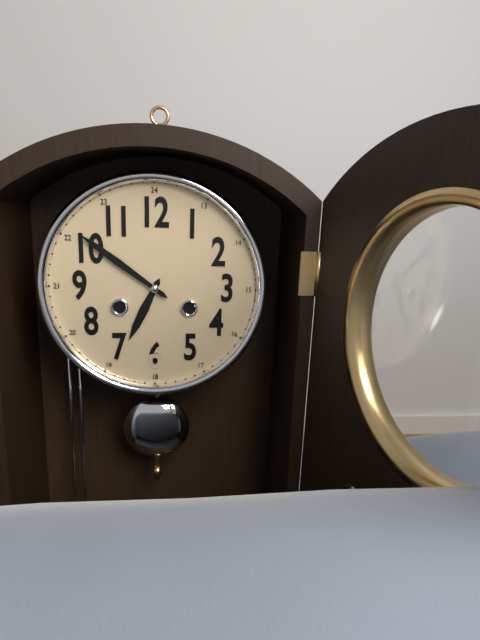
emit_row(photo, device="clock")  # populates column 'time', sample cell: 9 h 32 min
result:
6 h 51 min
